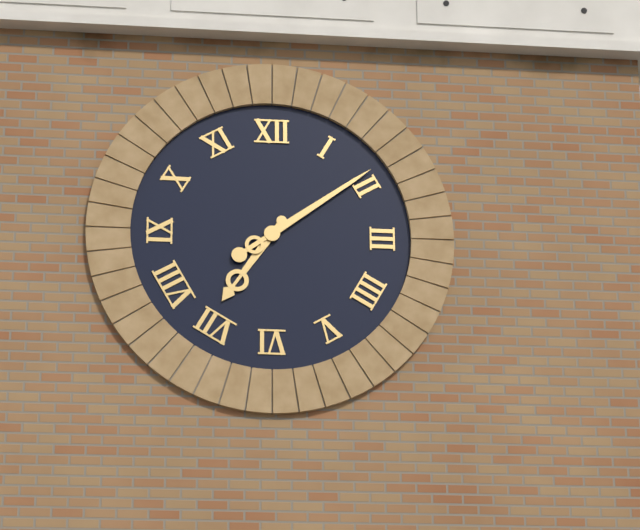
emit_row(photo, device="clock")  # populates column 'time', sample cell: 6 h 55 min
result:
7 h 09 min
